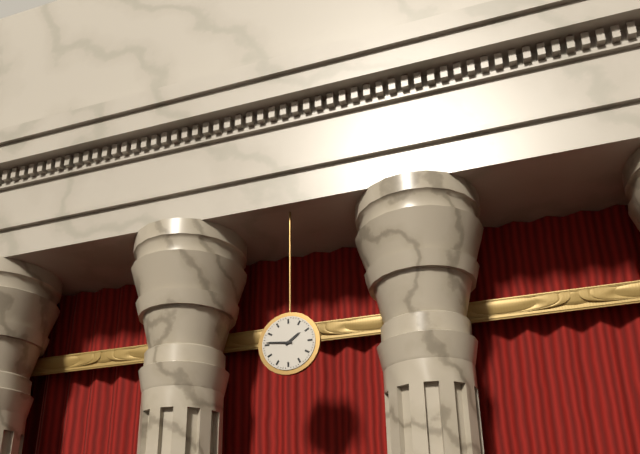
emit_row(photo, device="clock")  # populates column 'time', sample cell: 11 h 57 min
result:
1 h 46 min
